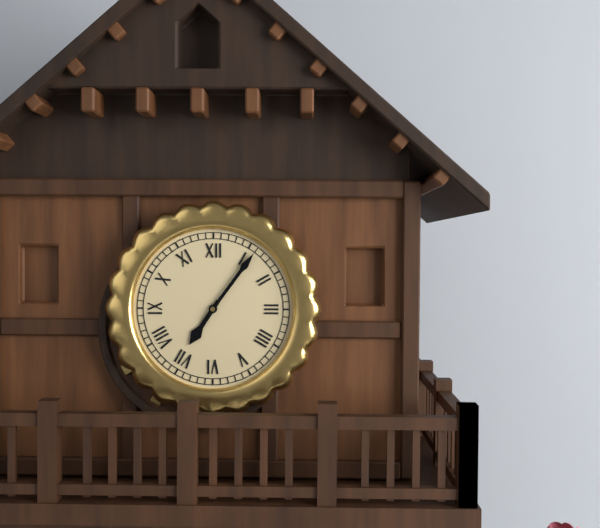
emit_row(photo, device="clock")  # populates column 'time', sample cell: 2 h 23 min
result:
7 h 06 min
